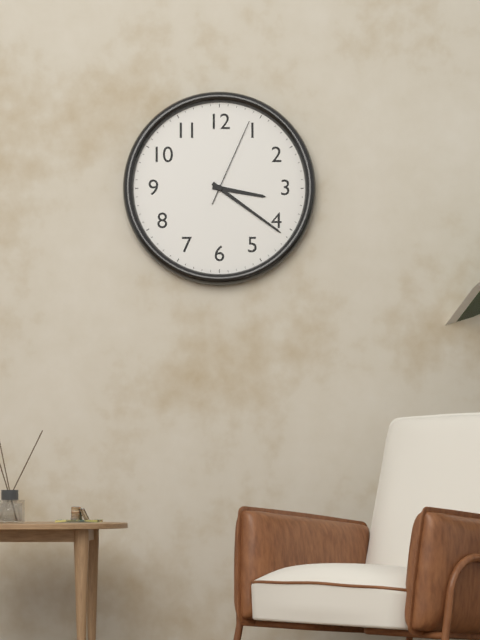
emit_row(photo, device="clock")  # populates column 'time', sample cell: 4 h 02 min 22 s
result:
3 h 21 min 04 s
